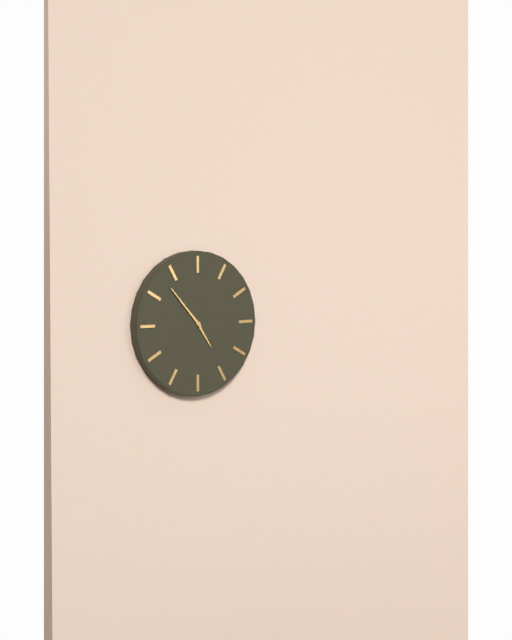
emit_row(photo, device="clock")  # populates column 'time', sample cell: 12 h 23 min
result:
4 h 53 min
